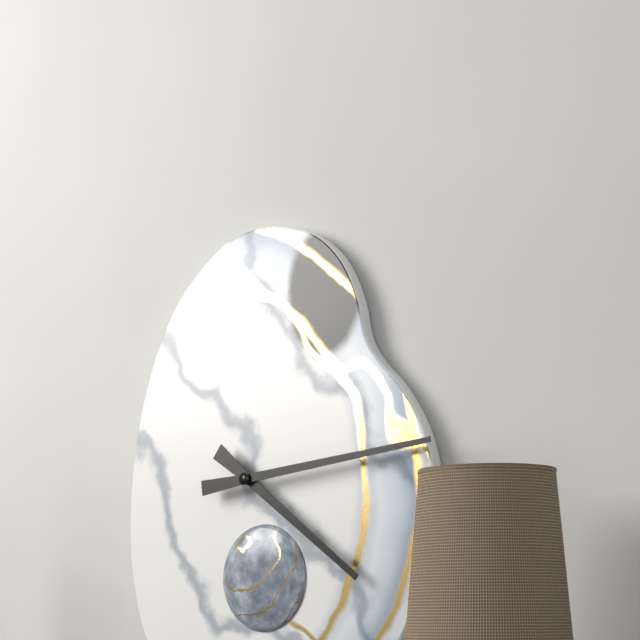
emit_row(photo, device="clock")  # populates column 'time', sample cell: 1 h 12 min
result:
4 h 14 min
